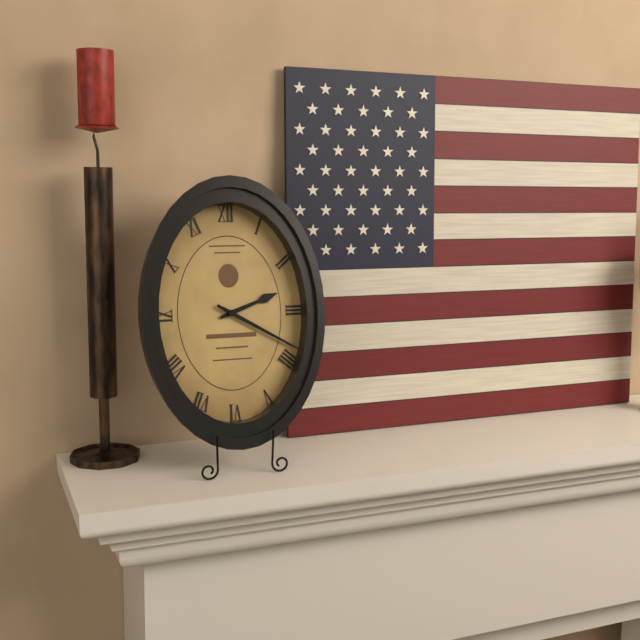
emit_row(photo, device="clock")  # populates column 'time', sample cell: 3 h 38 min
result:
2 h 20 min
